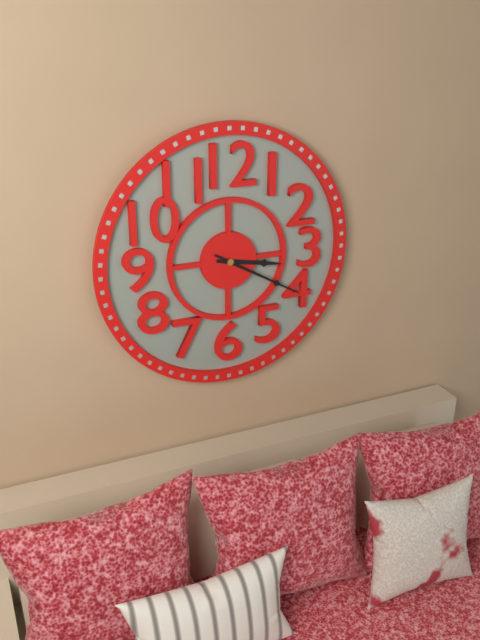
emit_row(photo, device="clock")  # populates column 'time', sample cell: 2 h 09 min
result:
3 h 20 min
